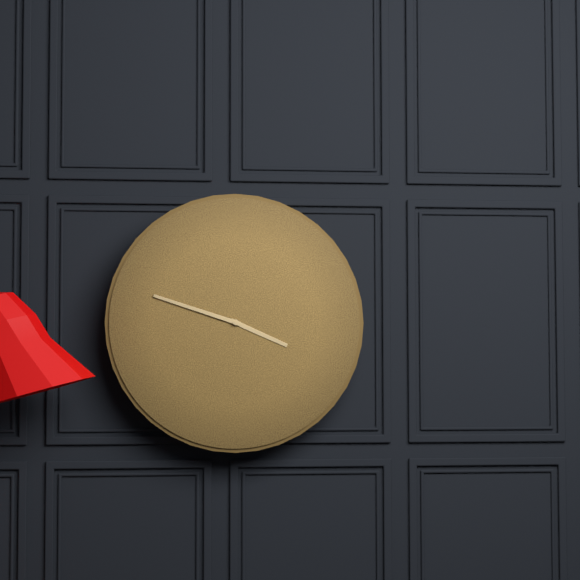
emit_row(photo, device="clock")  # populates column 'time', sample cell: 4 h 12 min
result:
3 h 48 min
